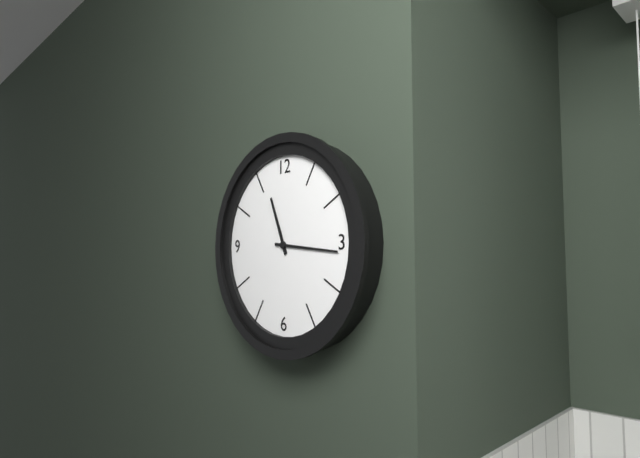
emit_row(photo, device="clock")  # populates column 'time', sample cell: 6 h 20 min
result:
11 h 16 min
